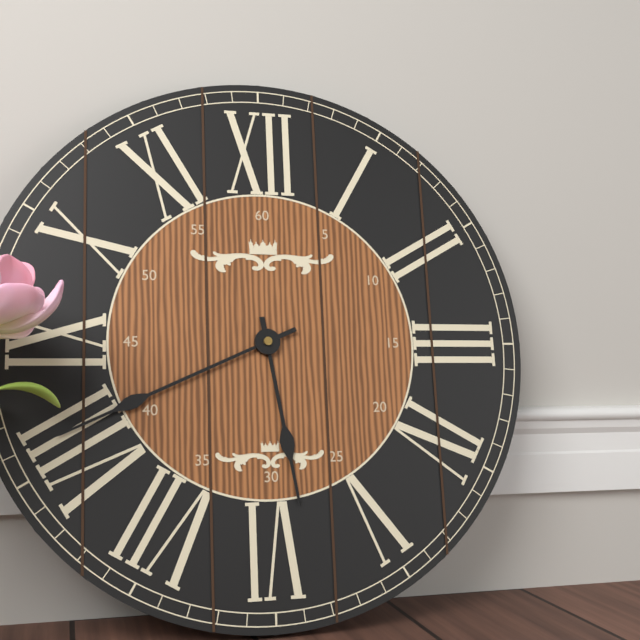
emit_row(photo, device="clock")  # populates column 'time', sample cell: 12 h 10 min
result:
5 h 41 min
